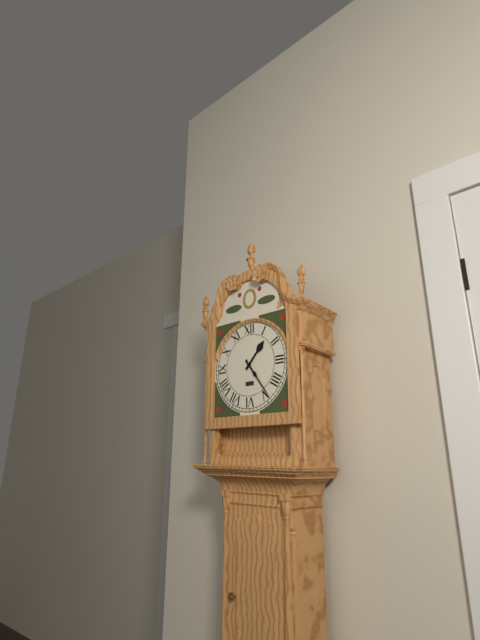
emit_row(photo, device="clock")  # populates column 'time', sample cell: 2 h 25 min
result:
1 h 24 min
